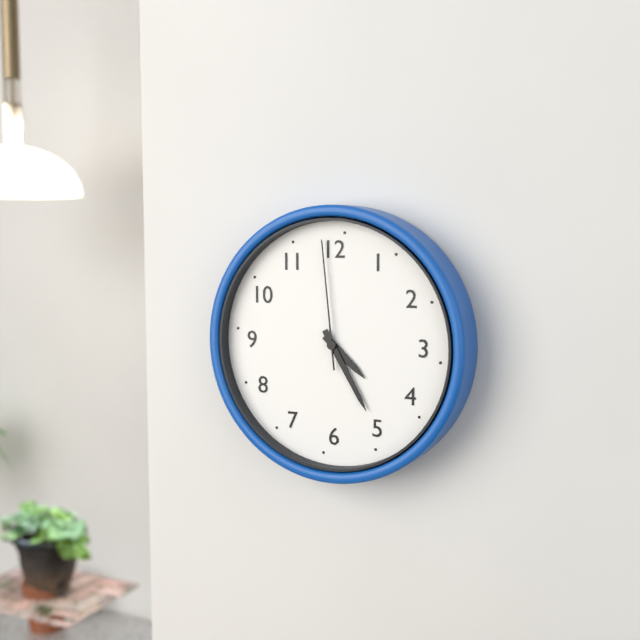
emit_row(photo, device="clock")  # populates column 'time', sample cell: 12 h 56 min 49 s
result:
4 h 25 min 59 s
